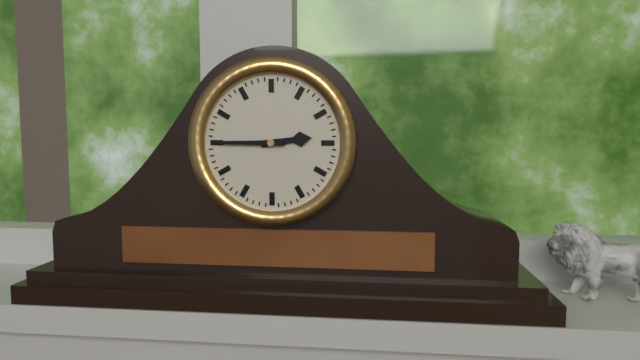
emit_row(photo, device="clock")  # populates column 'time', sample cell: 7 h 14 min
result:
2 h 45 min
